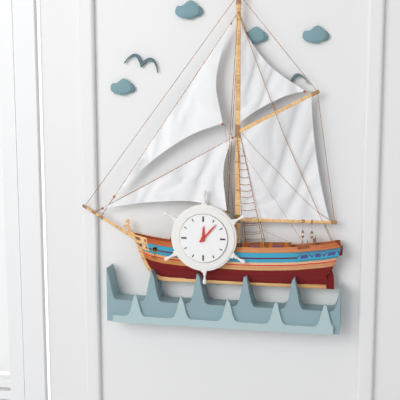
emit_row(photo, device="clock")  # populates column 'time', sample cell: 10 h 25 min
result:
12 h 07 min
